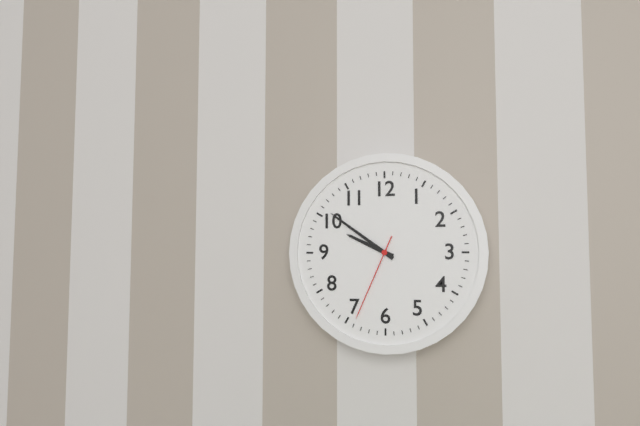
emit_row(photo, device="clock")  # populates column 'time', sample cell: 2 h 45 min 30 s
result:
9 h 51 min 34 s
